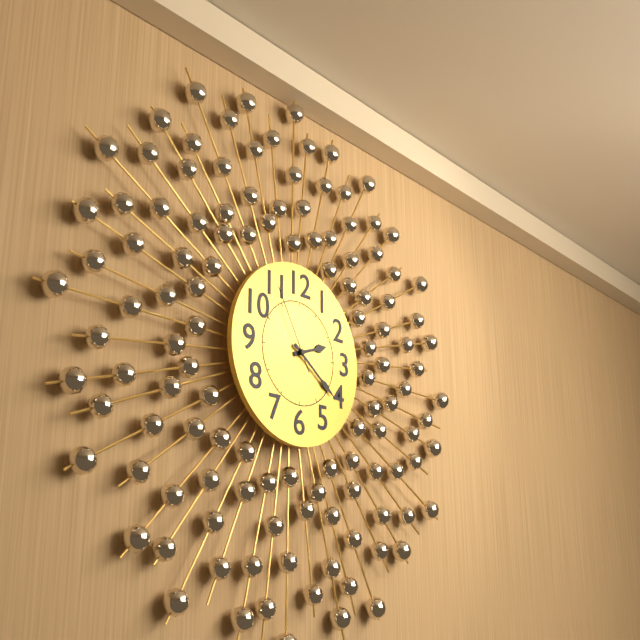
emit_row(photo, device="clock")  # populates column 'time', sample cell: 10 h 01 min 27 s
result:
2 h 21 min 55 s
